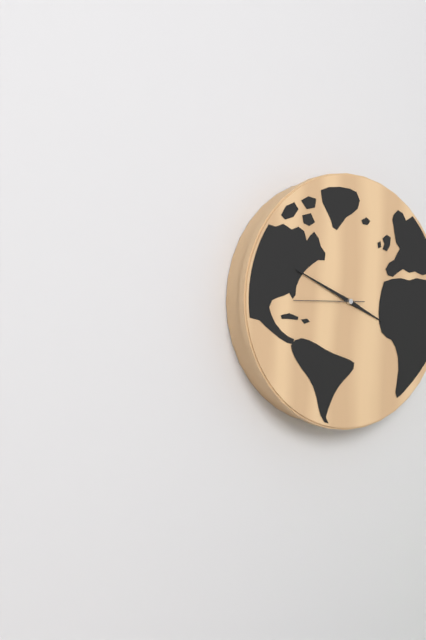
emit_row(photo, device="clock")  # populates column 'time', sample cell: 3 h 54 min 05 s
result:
3 h 49 min 45 s
